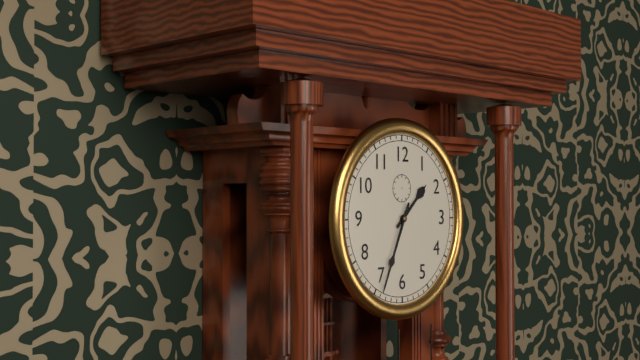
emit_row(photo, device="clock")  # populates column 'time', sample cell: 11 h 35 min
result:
1 h 34 min
